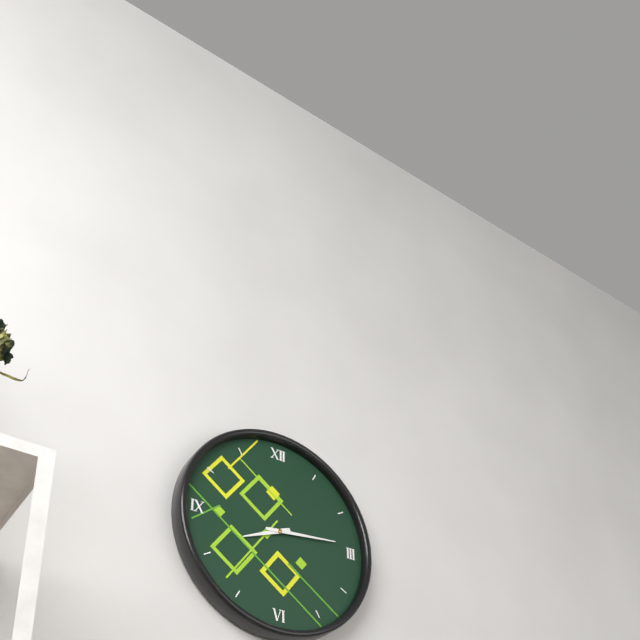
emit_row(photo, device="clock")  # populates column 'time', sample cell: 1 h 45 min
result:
8 h 14 min
